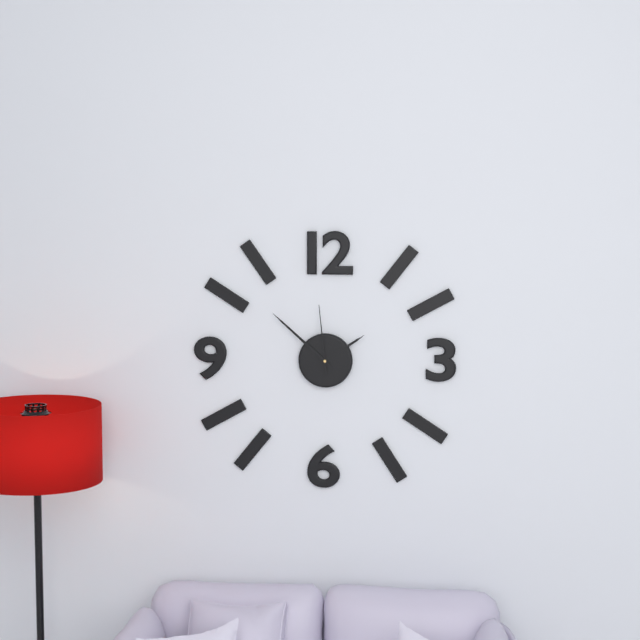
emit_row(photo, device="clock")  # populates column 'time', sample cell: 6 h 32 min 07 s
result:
1 h 52 min 59 s
